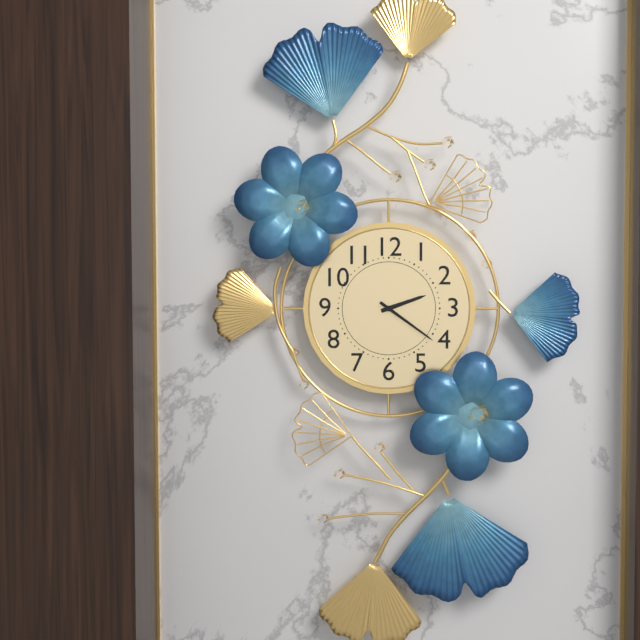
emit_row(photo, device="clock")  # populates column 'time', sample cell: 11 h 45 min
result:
2 h 21 min
